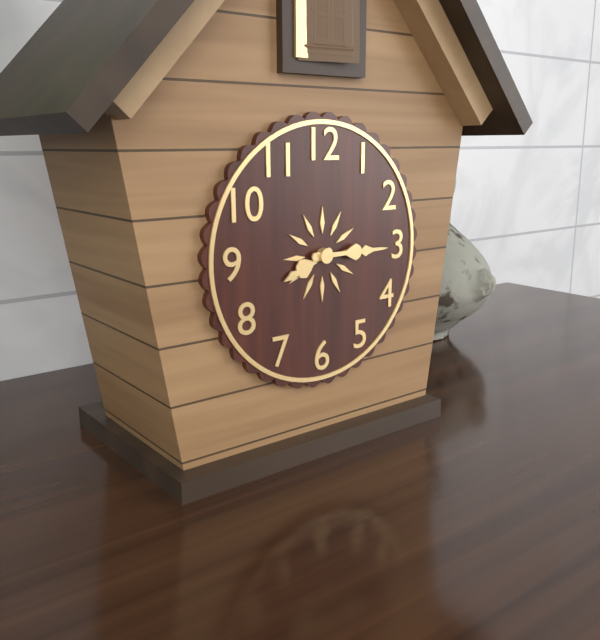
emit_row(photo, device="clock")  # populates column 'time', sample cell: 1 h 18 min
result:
8 h 15 min
